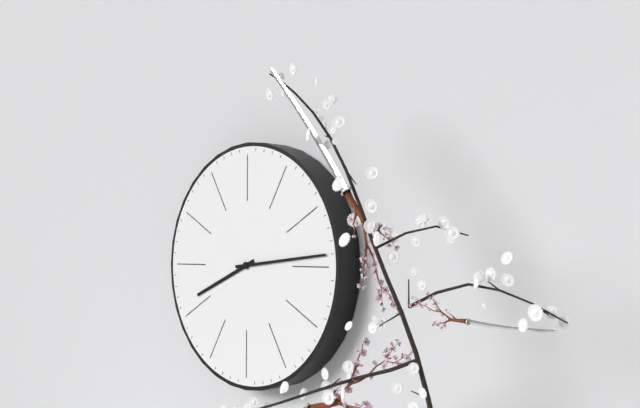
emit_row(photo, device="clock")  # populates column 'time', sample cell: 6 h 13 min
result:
8 h 14 min
